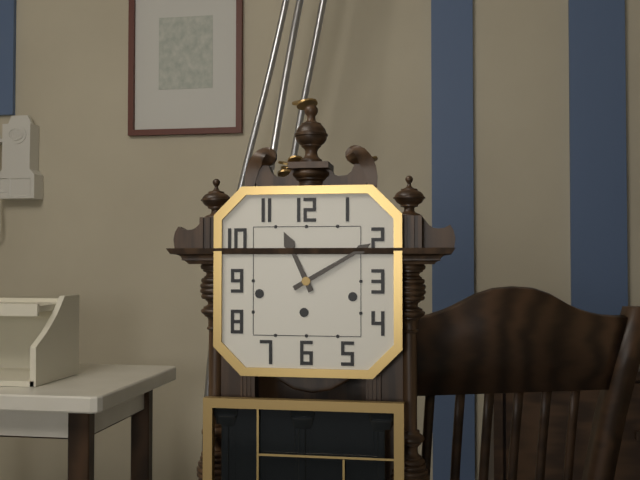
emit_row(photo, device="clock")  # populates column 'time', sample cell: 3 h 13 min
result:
11 h 10 min
